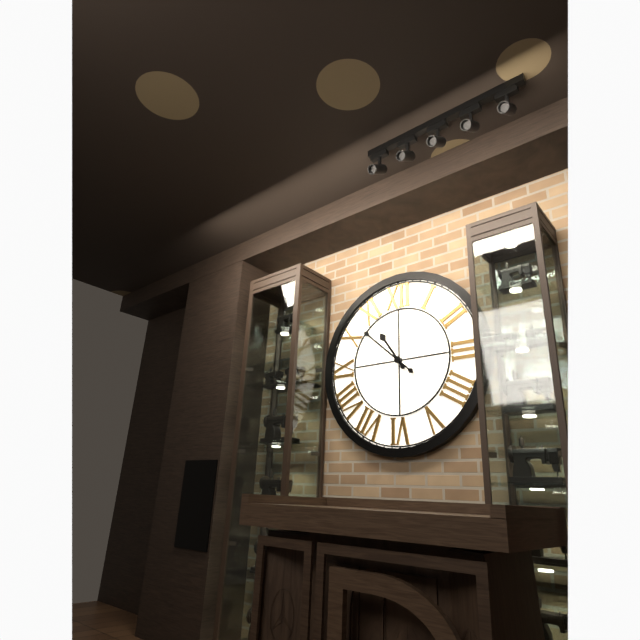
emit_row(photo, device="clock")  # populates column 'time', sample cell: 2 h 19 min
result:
10 h 52 min
